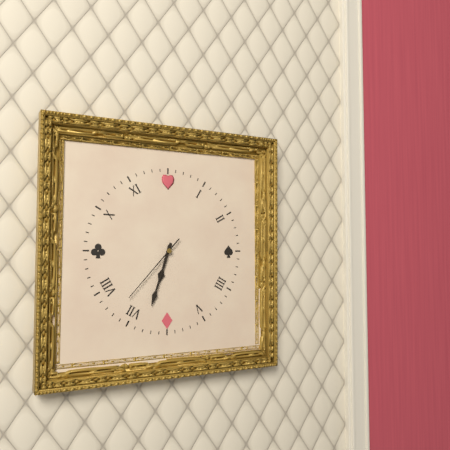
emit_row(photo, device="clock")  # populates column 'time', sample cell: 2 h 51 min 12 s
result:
6 h 33 min 37 s
